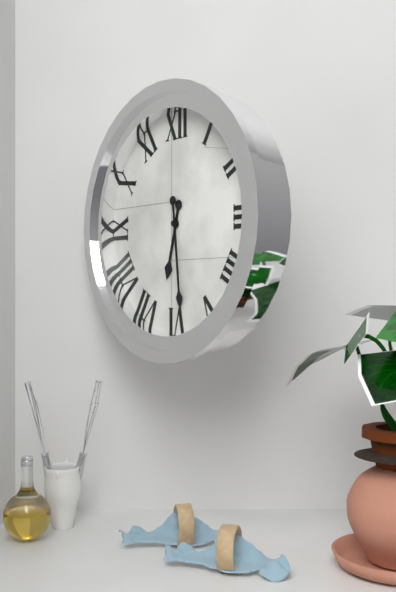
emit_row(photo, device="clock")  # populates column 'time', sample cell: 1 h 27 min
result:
6 h 29 min
